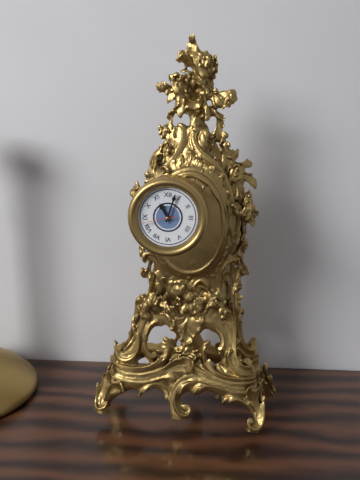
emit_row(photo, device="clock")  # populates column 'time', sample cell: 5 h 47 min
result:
11 h 03 min
